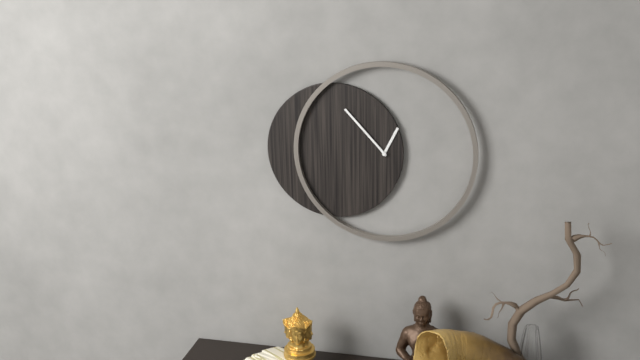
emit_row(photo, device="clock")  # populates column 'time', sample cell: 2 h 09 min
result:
12 h 53 min
